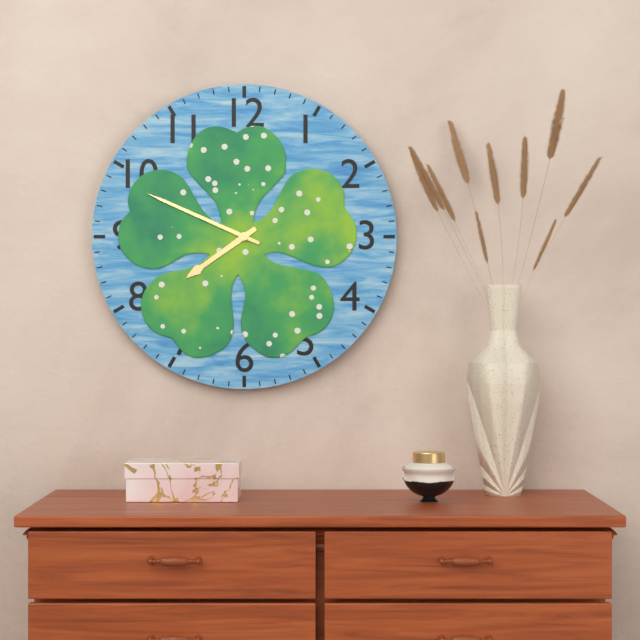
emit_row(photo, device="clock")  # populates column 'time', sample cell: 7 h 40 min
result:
7 h 49 min
